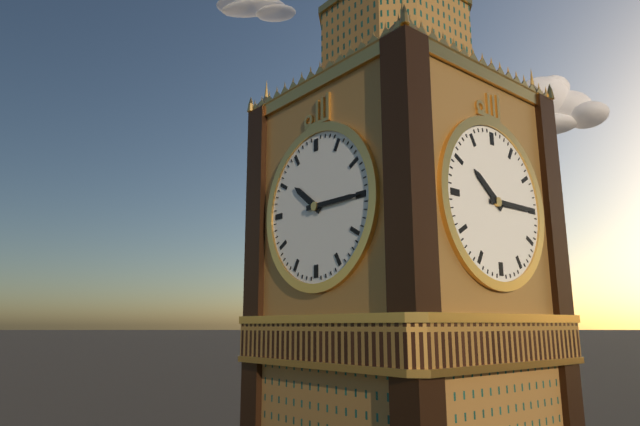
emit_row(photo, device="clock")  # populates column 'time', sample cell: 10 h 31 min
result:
10 h 15 min
